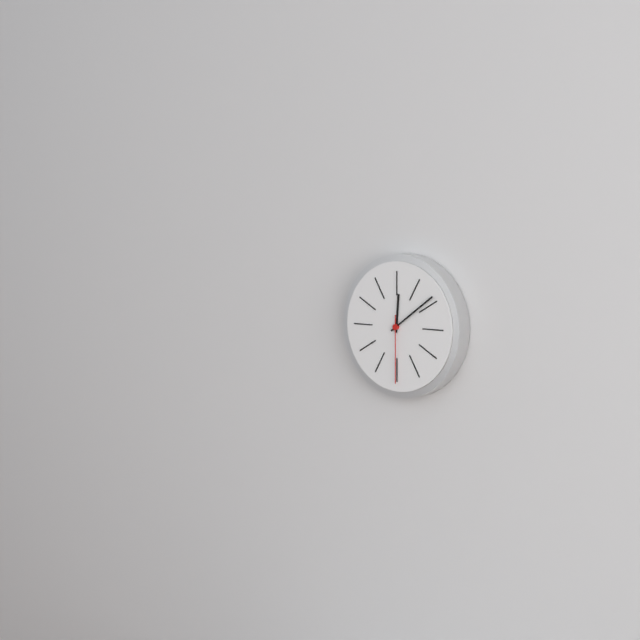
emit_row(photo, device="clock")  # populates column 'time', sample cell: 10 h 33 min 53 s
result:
12 h 09 min 30 s
